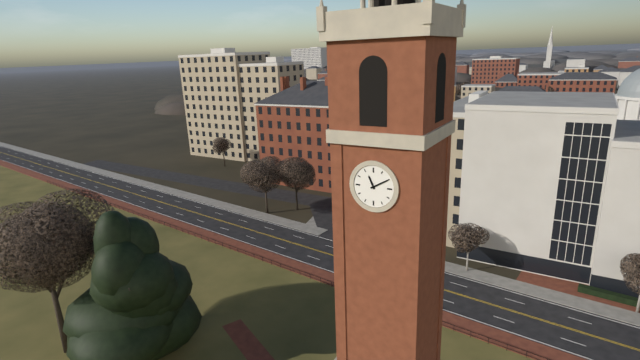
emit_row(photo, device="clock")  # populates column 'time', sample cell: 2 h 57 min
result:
11 h 10 min
